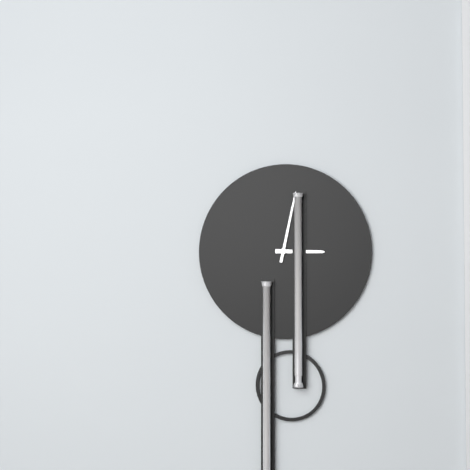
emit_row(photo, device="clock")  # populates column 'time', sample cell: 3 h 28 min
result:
3 h 02 min
